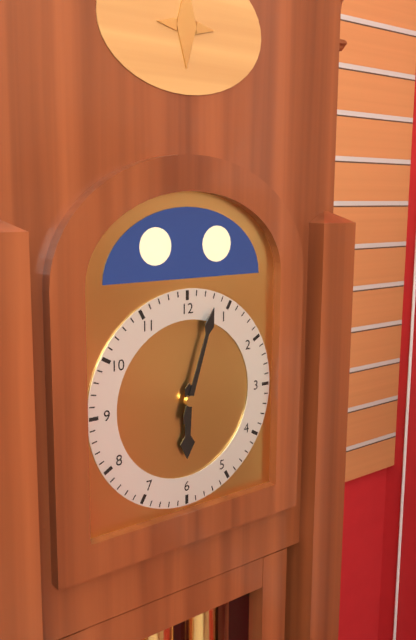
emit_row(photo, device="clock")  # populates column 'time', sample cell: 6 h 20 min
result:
6 h 03 min
